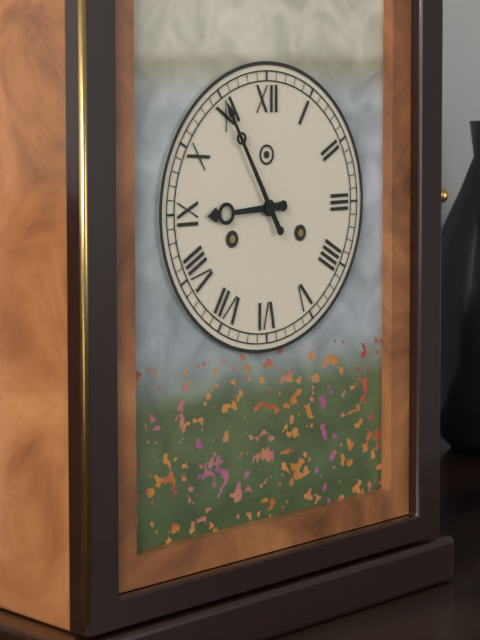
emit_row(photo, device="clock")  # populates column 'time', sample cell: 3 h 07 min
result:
8 h 55 min
